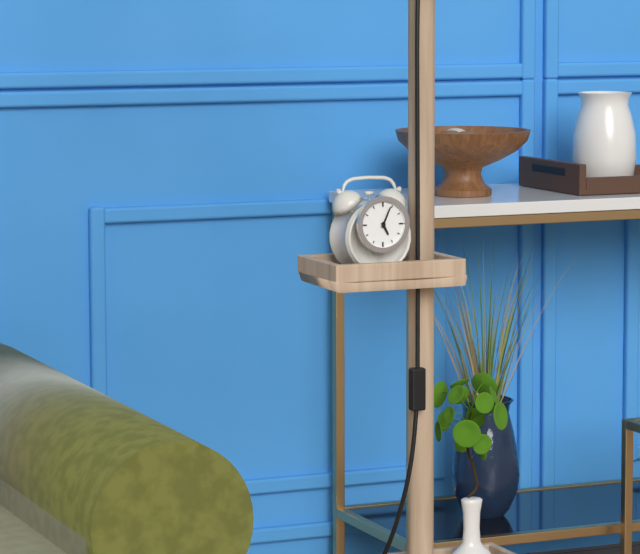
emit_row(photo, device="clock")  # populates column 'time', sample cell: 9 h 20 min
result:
5 h 04 min
